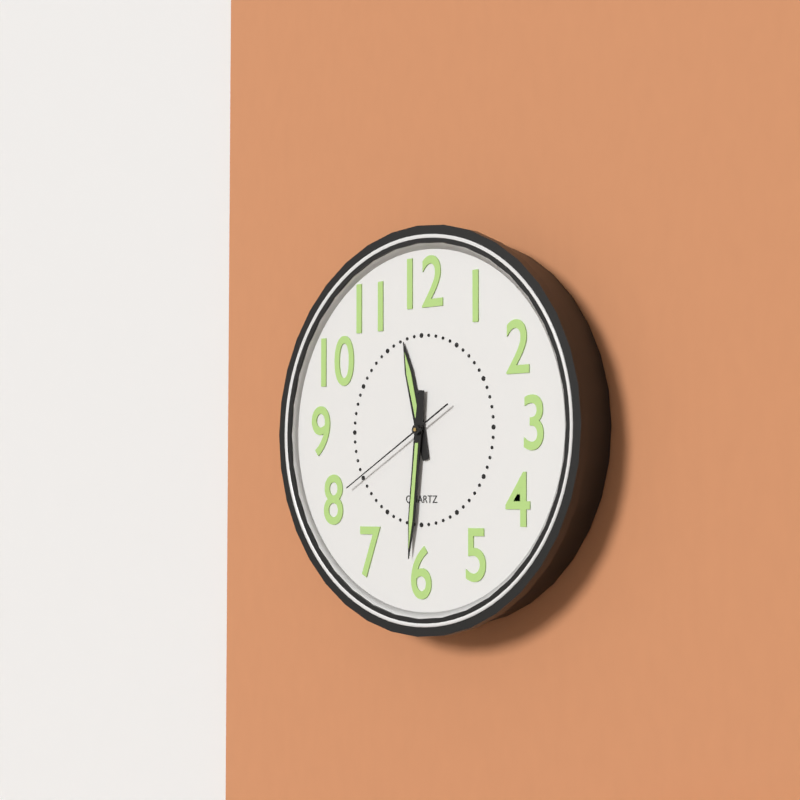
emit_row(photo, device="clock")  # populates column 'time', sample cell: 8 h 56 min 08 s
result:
11 h 31 min 40 s
